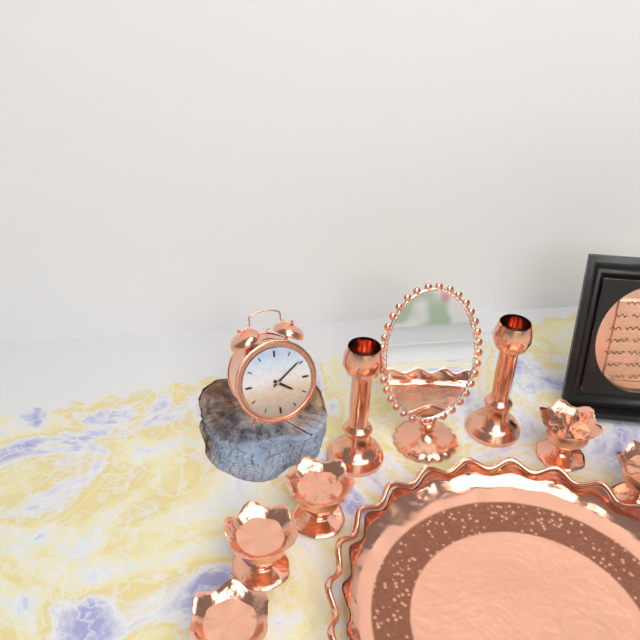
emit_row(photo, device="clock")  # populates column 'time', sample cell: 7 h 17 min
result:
4 h 09 min
